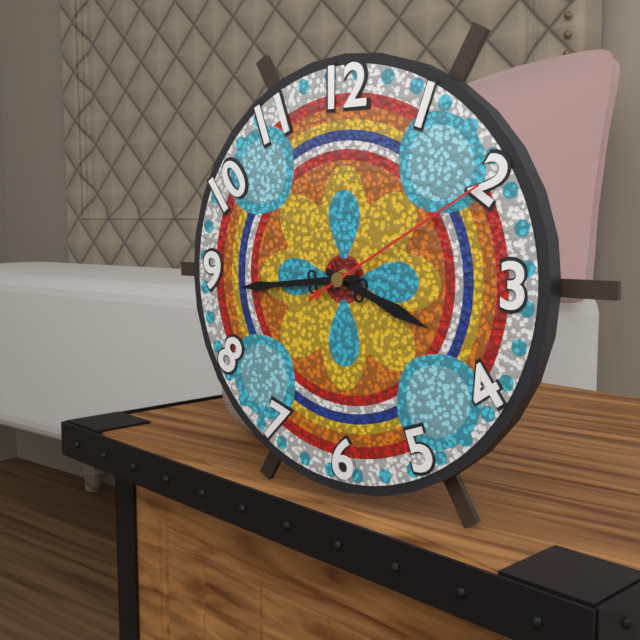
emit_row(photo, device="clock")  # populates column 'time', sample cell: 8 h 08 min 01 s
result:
3 h 44 min 10 s
